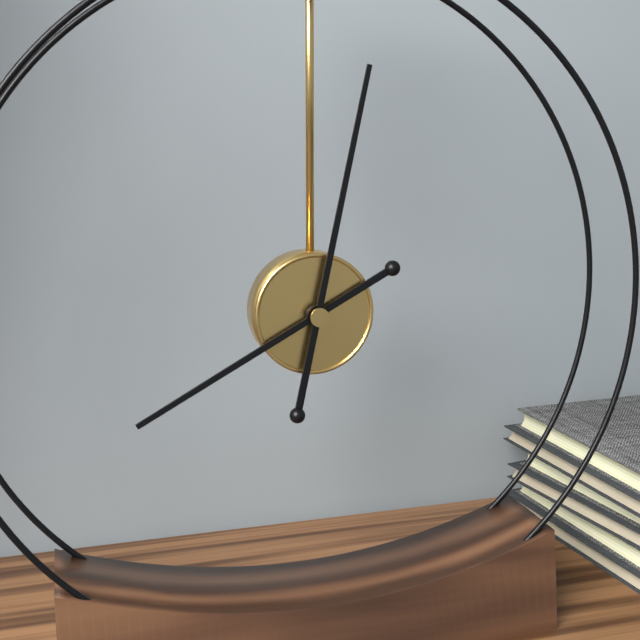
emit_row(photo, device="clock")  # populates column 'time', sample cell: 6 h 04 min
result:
8 h 02 min
